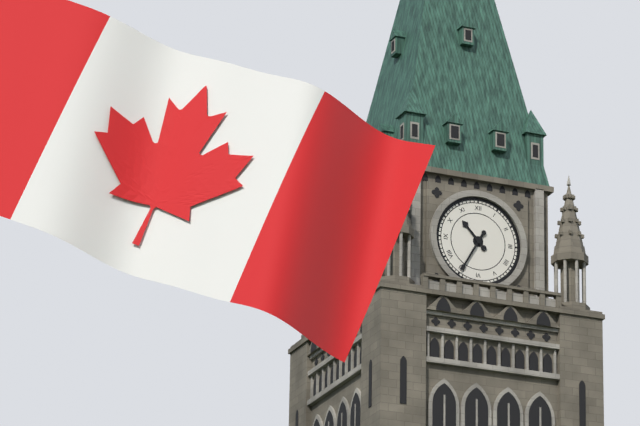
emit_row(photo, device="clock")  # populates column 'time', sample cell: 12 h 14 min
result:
10 h 35 min
